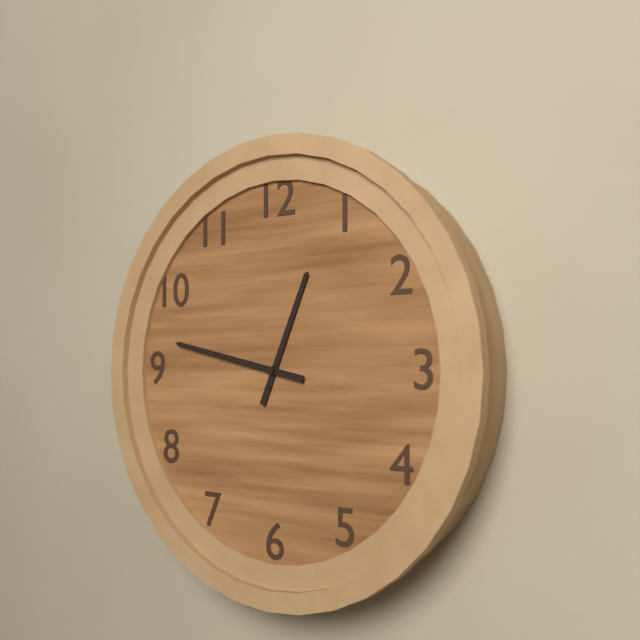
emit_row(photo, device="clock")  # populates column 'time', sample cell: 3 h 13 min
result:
12 h 47 min
